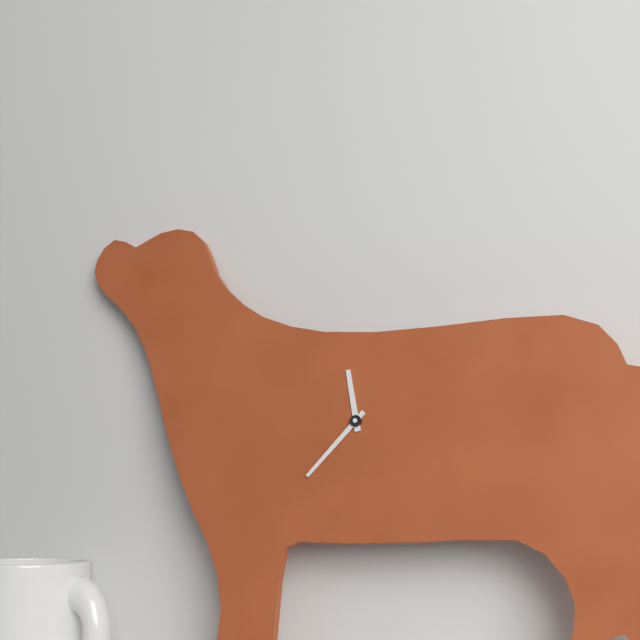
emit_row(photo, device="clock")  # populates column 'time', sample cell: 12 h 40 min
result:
11 h 37 min
